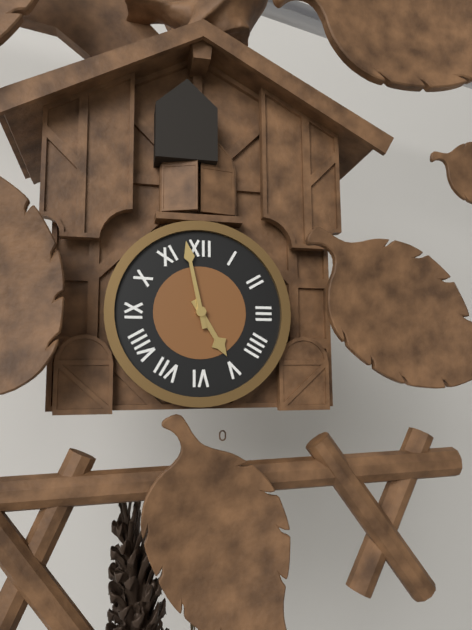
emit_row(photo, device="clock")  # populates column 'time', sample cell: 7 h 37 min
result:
4 h 58 min
